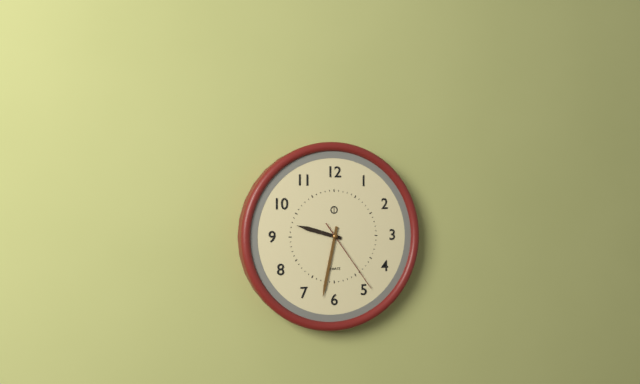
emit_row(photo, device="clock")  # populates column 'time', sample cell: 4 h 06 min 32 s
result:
9 h 32 min 24 s
